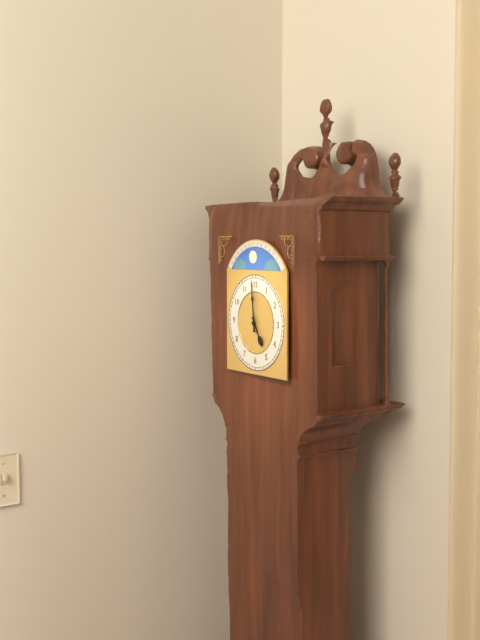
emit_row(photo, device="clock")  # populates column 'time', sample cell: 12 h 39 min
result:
4 h 59 min
